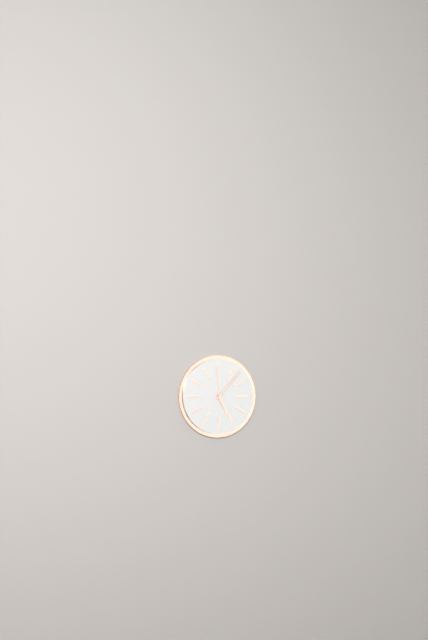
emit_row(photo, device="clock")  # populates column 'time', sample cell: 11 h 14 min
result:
5 h 07 min
